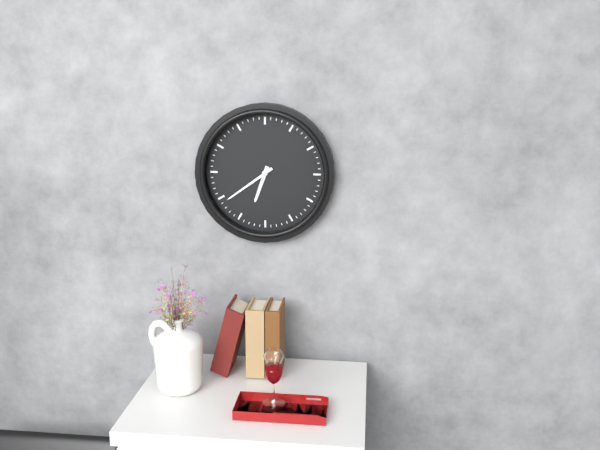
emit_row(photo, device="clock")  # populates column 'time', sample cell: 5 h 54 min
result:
6 h 39 min
